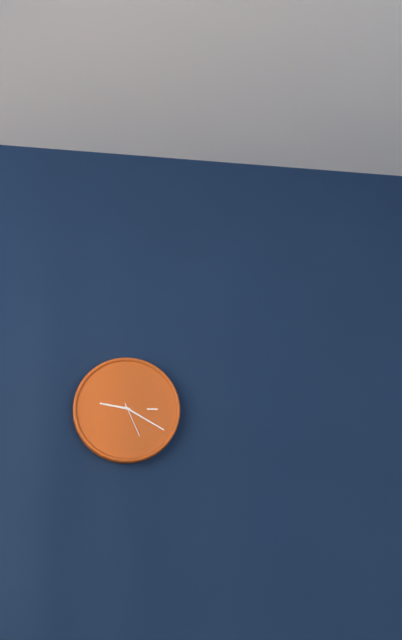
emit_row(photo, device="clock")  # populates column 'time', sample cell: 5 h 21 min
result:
9 h 20 min
